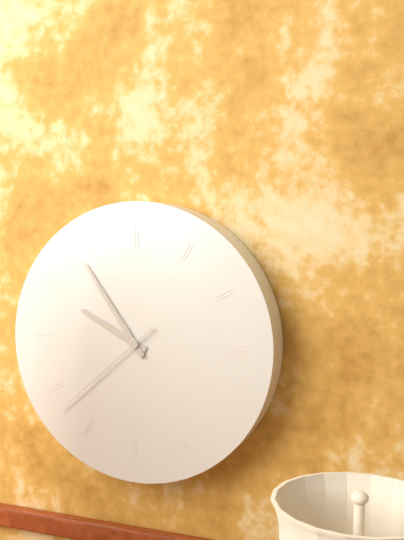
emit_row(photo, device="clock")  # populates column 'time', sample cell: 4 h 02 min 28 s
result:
9 h 54 min 38 s
